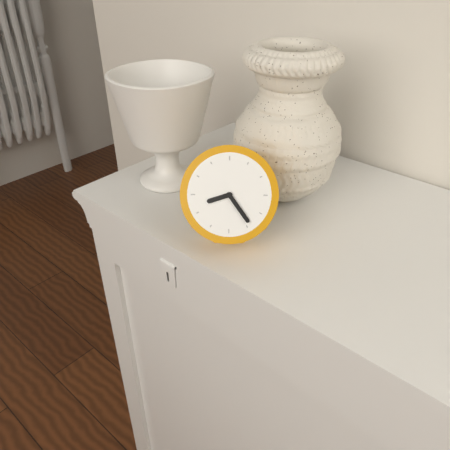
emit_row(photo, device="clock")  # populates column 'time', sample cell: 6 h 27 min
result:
8 h 24 min
